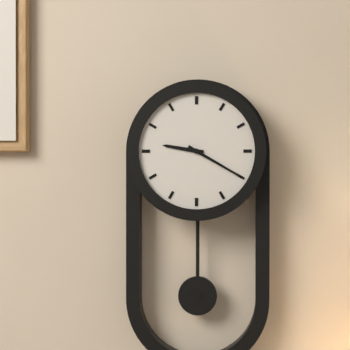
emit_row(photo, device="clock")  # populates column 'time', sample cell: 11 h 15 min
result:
9 h 20 min
